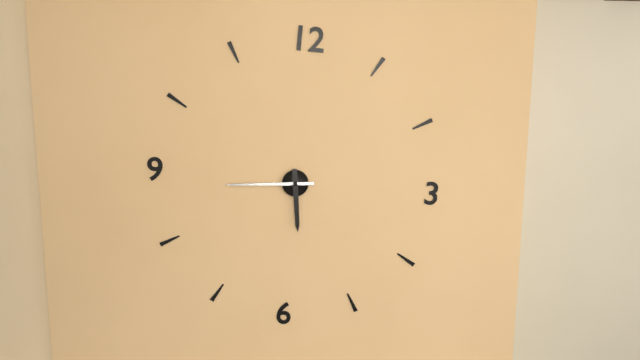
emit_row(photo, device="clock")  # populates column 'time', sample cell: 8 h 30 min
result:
5 h 44 min
